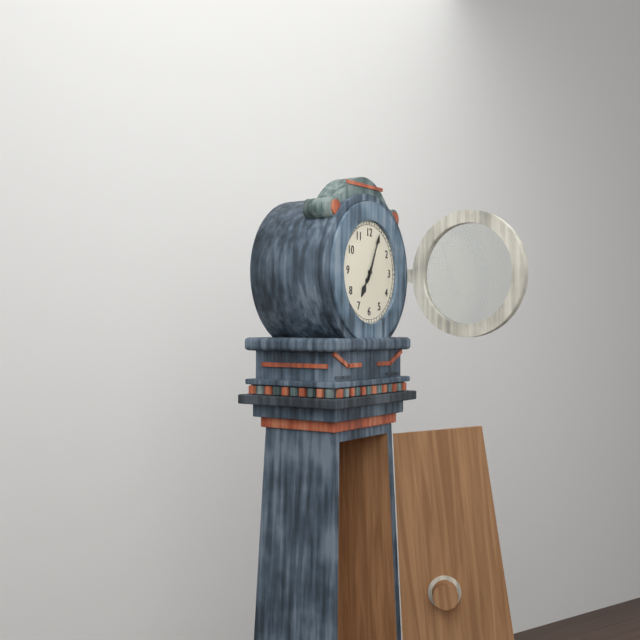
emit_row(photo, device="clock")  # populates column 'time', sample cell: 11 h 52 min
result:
7 h 04 min
